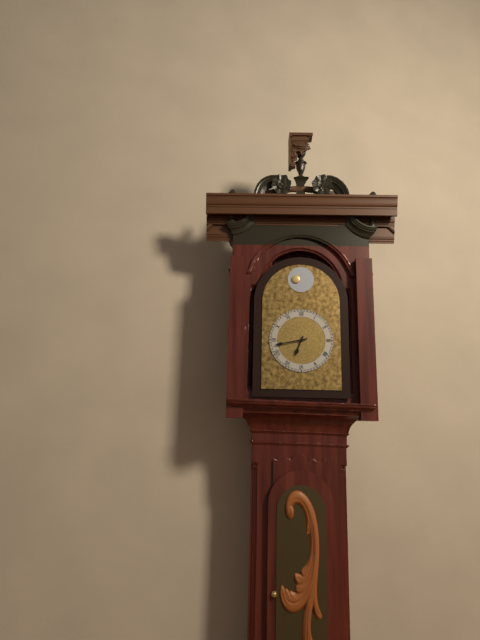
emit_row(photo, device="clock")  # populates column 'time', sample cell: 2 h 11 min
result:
6 h 43 min
